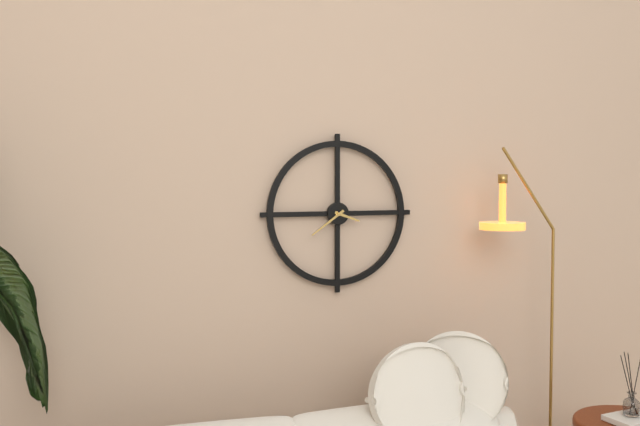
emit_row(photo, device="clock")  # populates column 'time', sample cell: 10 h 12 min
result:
3 h 39 min
